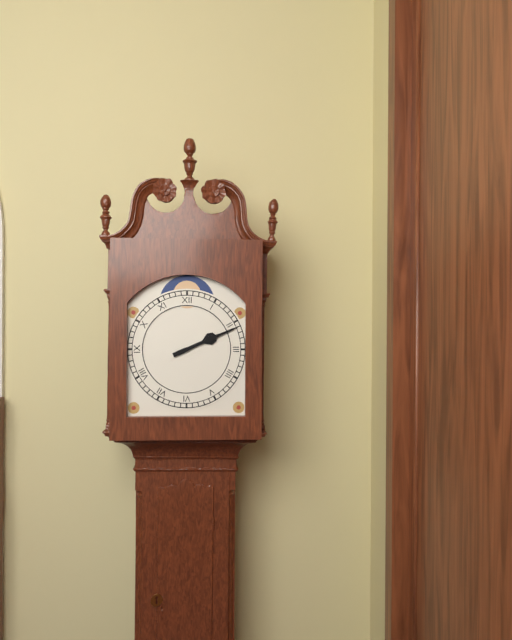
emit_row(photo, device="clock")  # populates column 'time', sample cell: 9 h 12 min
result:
2 h 11 min
